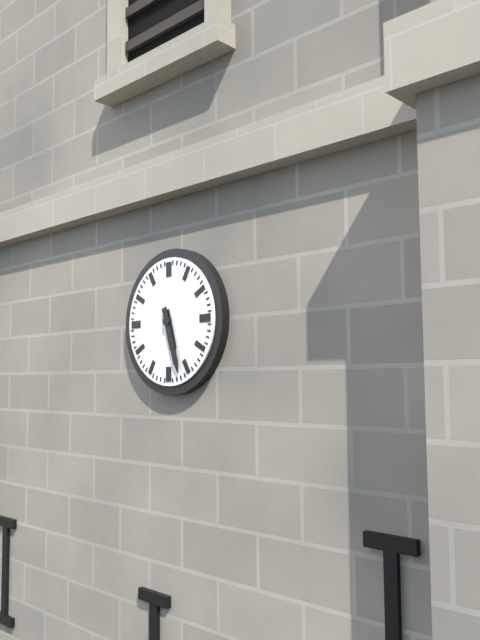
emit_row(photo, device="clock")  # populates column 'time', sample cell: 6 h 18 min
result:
5 h 27 min
